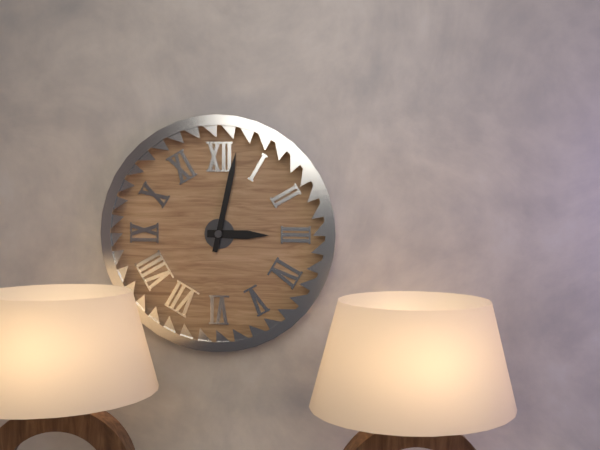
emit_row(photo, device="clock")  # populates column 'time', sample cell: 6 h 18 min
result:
3 h 02 min
